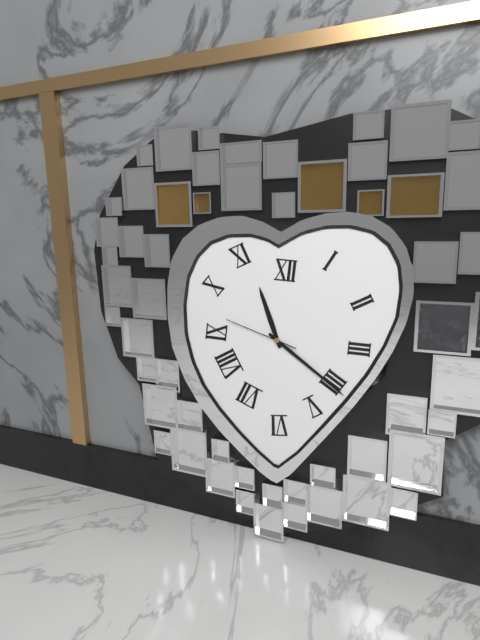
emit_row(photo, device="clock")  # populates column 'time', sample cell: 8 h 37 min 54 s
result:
11 h 21 min 48 s
